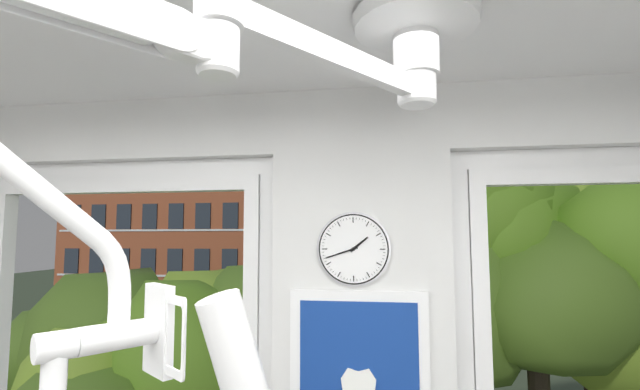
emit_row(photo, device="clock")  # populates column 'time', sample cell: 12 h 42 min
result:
1 h 42 min
